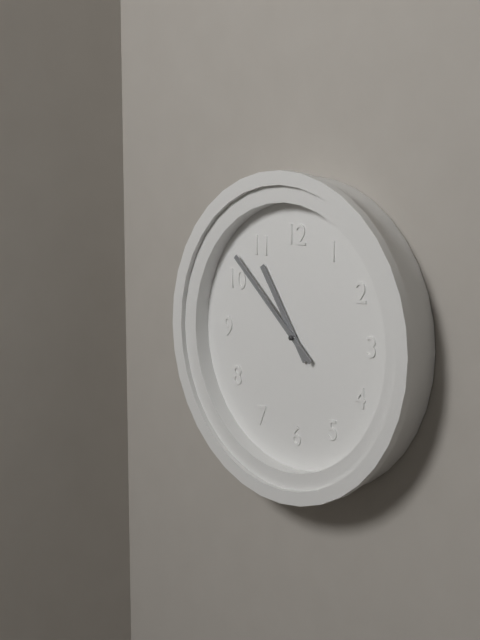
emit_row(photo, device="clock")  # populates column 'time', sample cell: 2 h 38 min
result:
10 h 52 min
